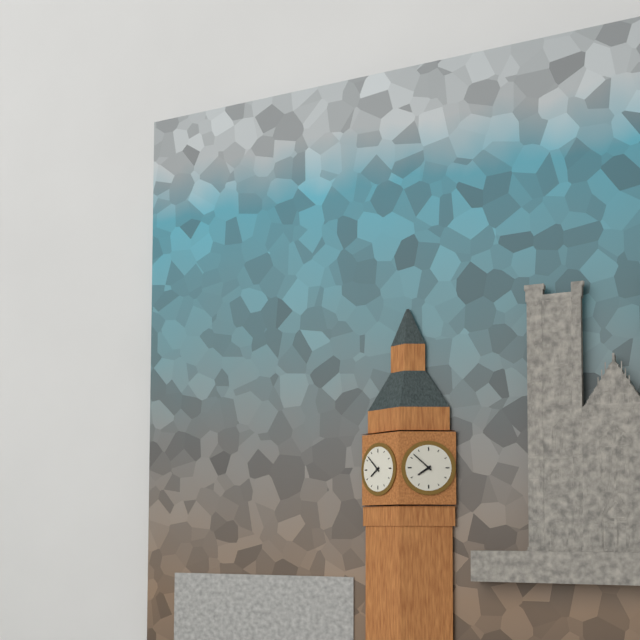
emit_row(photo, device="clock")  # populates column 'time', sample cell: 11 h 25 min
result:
7 h 52 min
